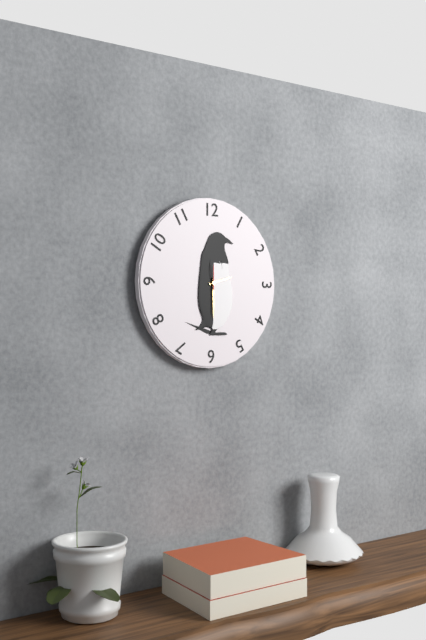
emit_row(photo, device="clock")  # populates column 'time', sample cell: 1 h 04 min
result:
2 h 30 min
